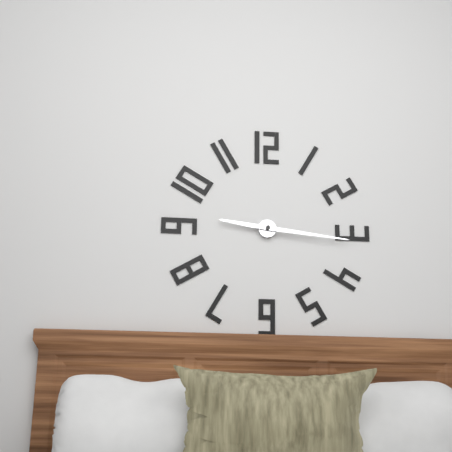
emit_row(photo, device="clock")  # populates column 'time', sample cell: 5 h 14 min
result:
9 h 16 min
